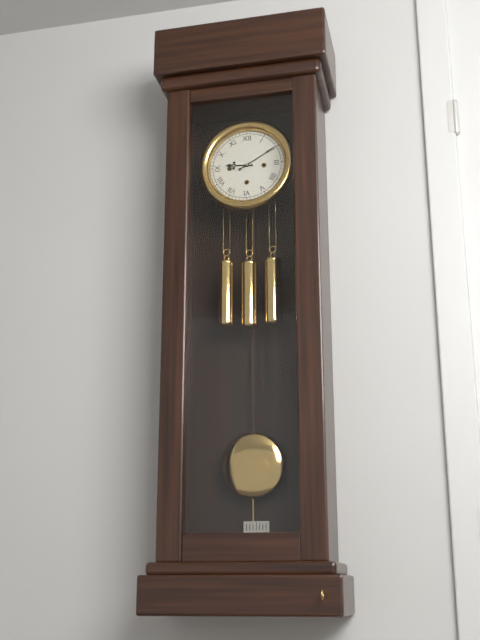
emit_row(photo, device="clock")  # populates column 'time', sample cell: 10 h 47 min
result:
9 h 10 min
